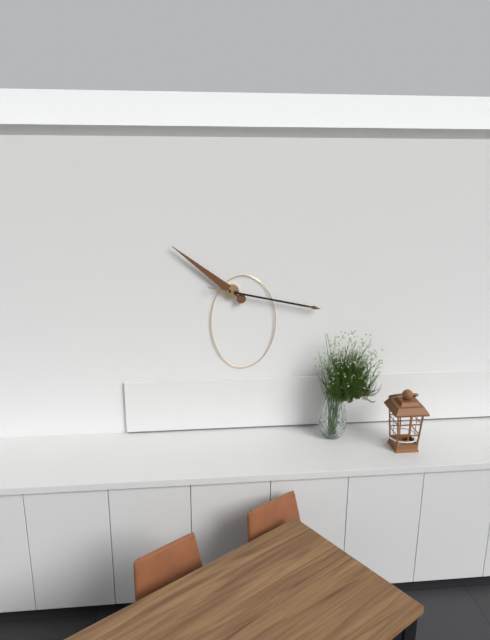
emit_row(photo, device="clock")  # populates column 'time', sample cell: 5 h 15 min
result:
10 h 17 min
